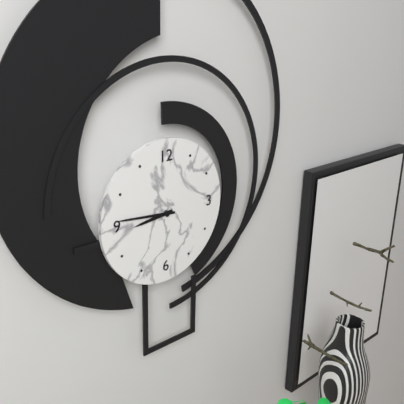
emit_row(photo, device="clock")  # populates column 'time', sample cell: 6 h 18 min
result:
8 h 46 min
